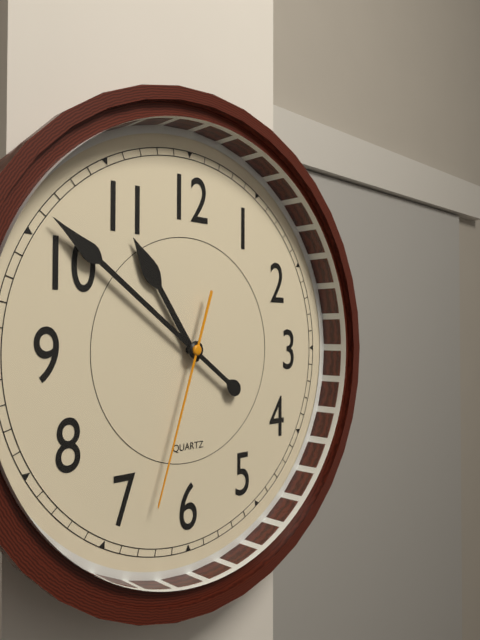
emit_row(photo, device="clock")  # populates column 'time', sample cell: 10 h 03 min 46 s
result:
10 h 51 min 33 s
